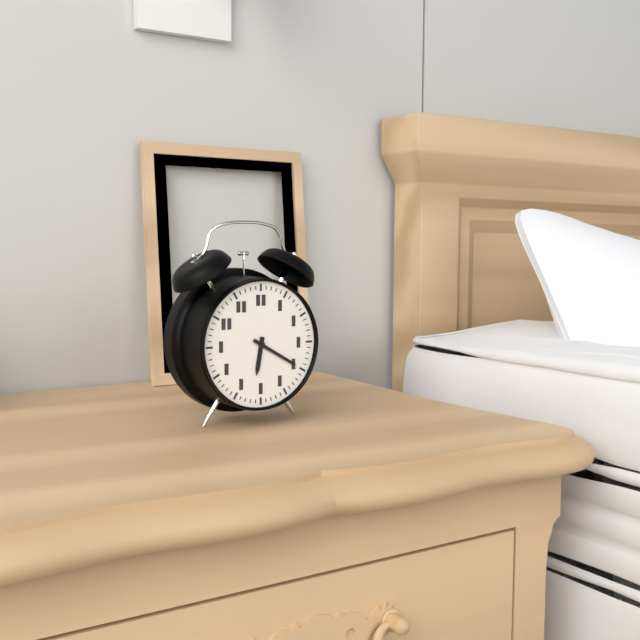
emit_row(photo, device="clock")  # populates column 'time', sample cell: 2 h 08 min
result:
6 h 20 min
